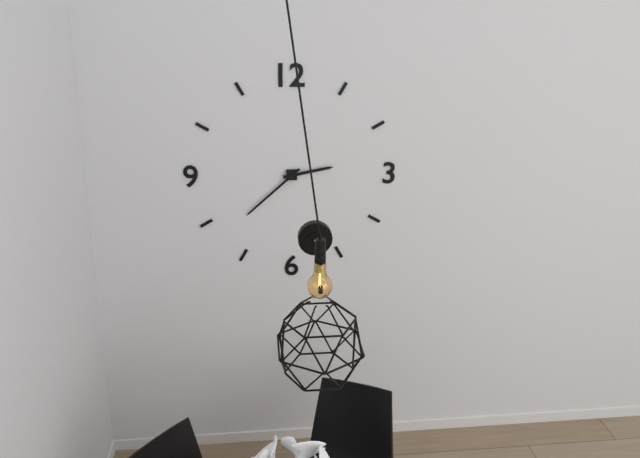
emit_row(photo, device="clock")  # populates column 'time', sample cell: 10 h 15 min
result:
2 h 38 min
